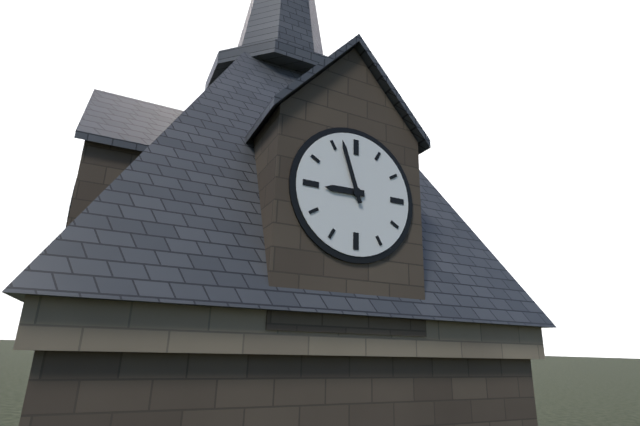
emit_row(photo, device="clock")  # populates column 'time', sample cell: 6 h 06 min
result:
8 h 57 min
